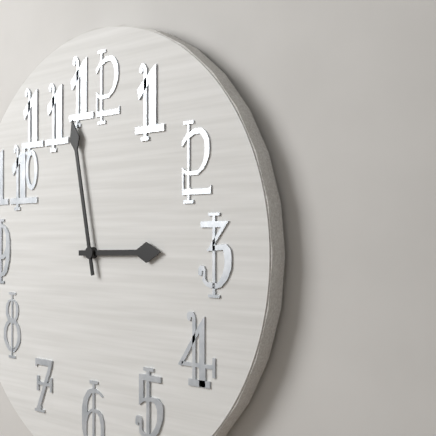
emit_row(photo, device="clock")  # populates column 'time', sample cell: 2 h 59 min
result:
2 h 58 min
